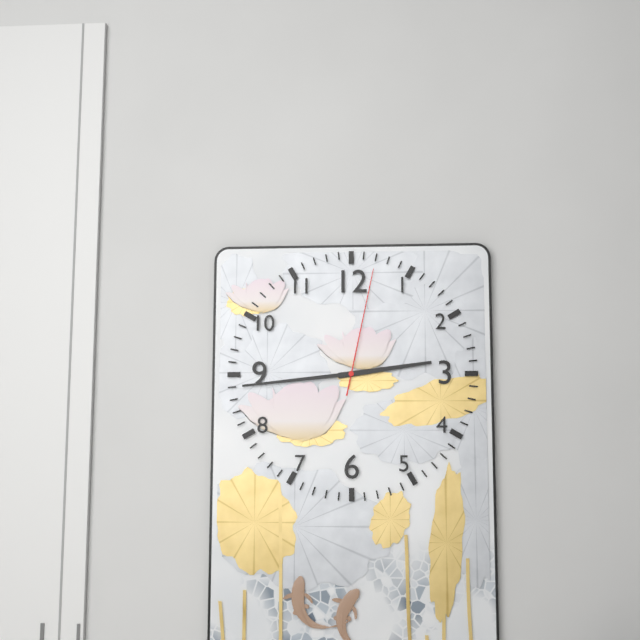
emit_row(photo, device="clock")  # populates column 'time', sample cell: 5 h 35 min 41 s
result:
2 h 44 min 02 s
